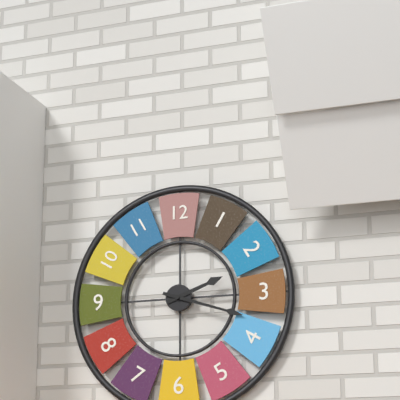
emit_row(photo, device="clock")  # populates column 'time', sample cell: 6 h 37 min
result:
2 h 18 min
